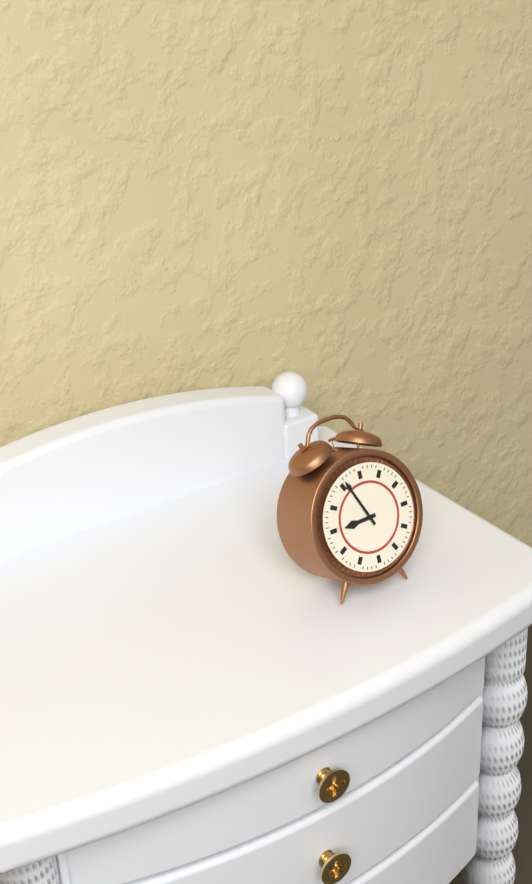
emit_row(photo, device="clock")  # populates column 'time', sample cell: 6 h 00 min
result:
8 h 56 min
